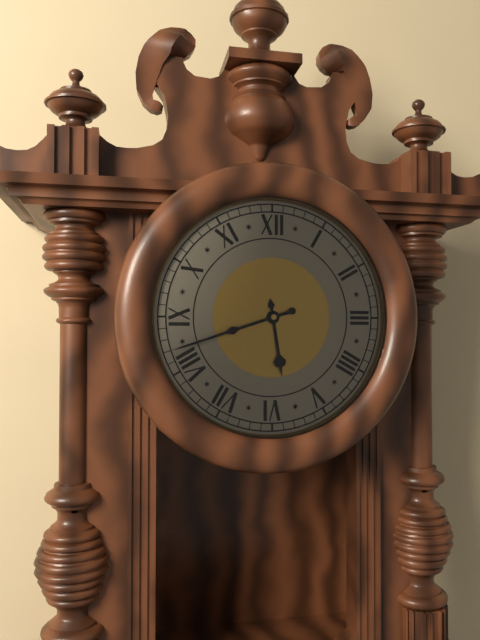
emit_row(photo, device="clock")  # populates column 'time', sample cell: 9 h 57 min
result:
5 h 42 min
